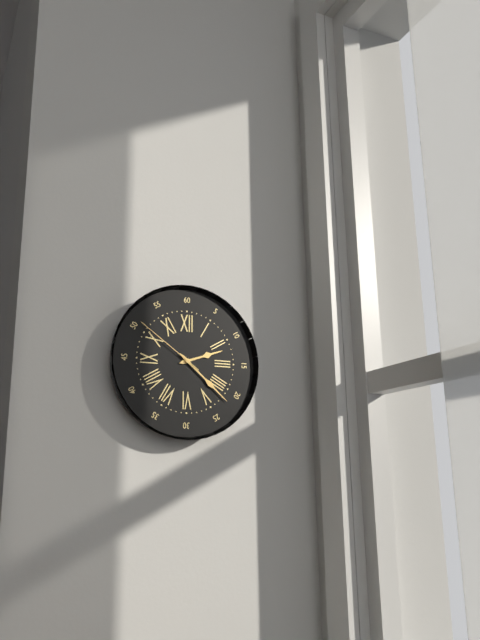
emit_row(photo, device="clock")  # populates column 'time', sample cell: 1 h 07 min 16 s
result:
2 h 22 min 51 s
